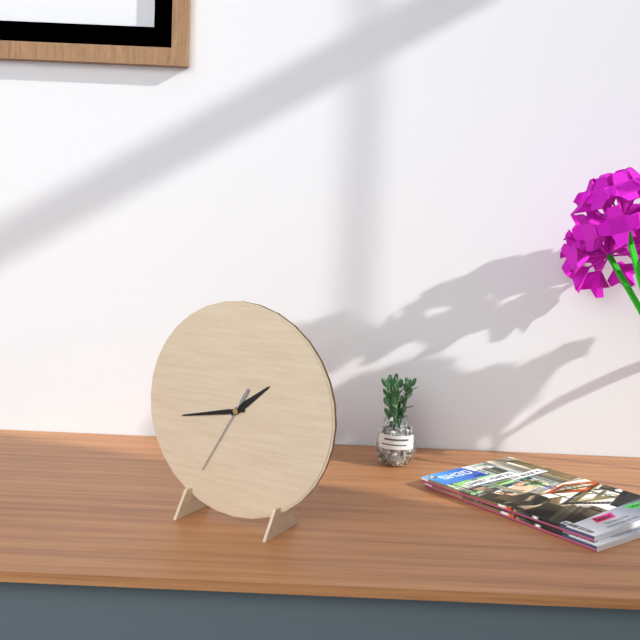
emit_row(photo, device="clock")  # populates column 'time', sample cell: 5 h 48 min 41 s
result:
1 h 43 min 35 s
